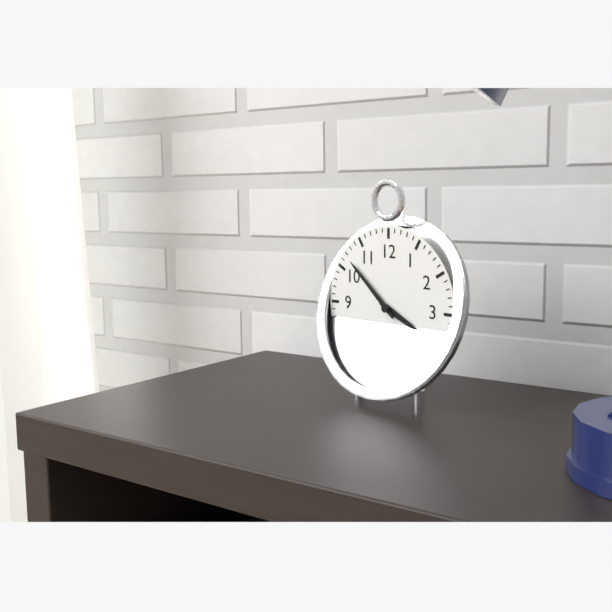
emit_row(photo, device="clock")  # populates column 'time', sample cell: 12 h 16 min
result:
3 h 52 min
